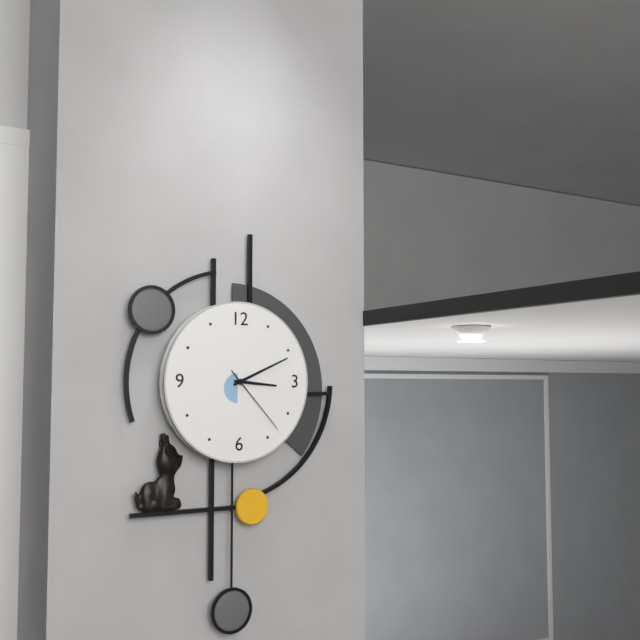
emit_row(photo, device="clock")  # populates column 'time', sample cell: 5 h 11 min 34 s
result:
3 h 11 min 23 s
